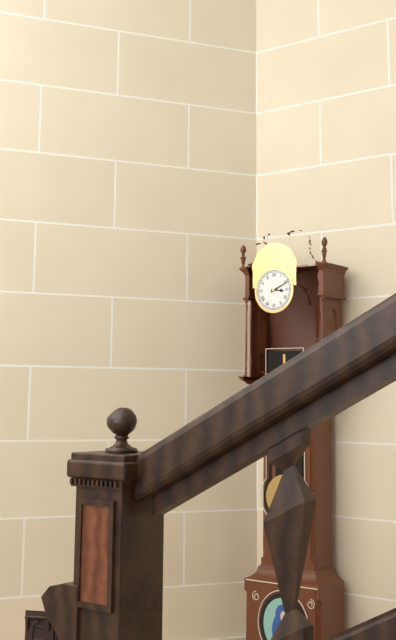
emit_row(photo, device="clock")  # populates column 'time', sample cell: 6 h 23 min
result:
3 h 11 min
